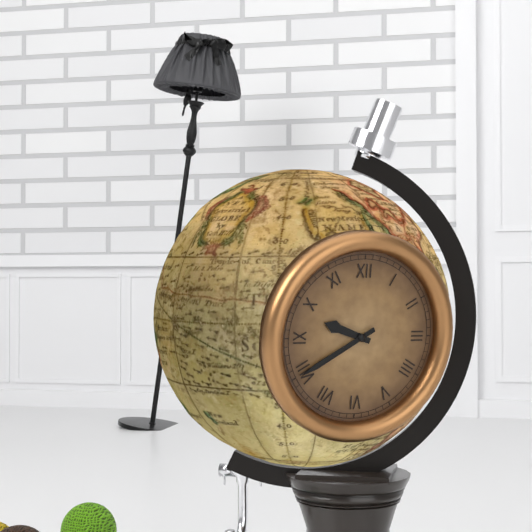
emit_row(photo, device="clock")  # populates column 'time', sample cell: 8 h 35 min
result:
9 h 40 min
